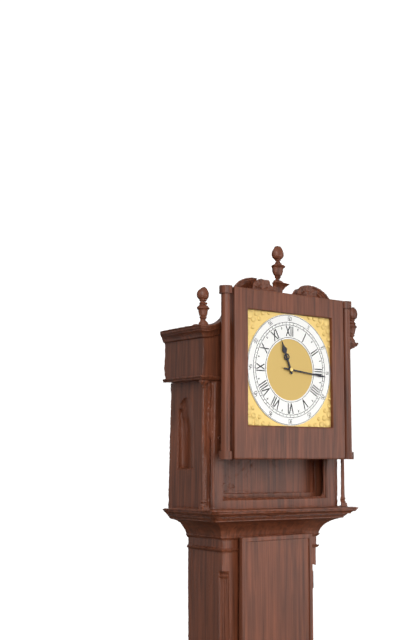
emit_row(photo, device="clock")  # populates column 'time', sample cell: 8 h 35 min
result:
11 h 16 min
